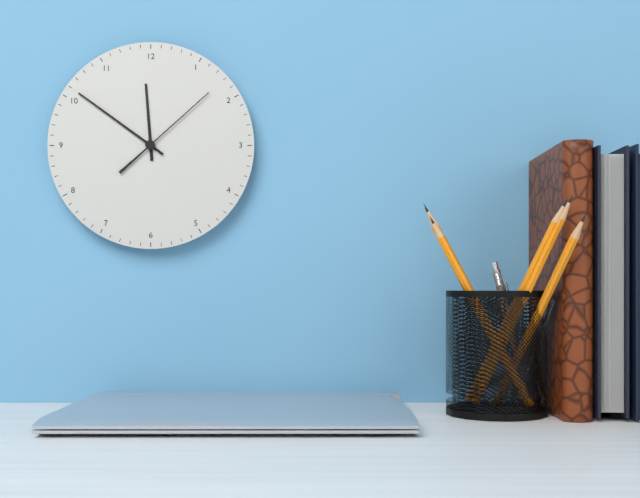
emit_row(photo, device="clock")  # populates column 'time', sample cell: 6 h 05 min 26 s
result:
11 h 51 min 08 s
